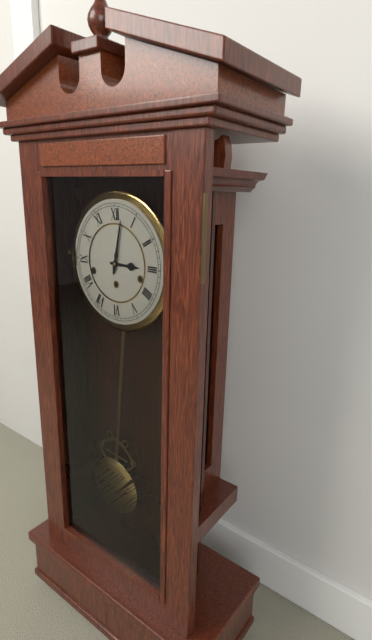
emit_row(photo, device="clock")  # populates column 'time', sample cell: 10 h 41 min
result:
3 h 02 min
